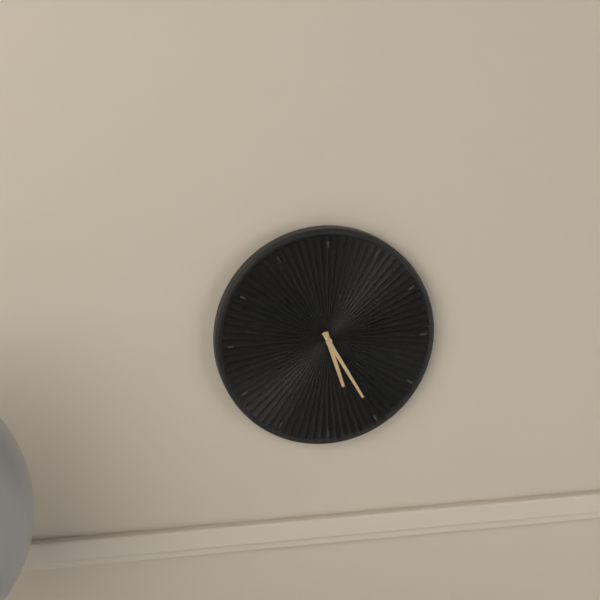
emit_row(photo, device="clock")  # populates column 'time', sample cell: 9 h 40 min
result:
5 h 25 min
